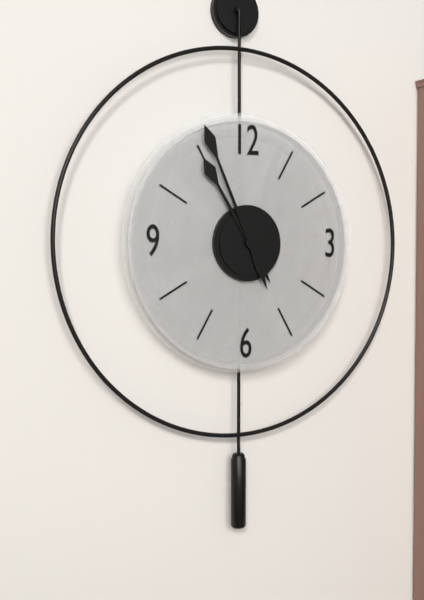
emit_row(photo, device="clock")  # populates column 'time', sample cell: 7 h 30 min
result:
10 h 56 min
